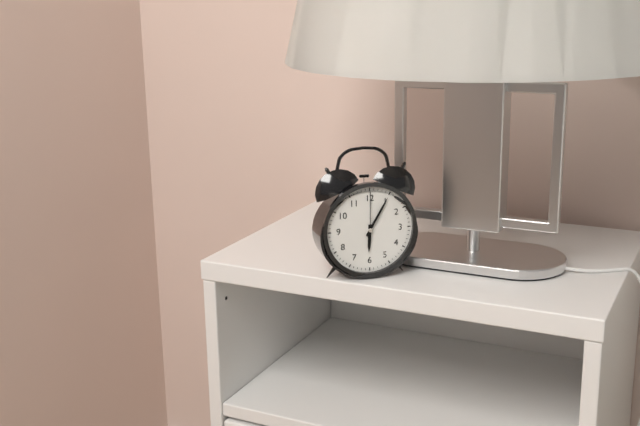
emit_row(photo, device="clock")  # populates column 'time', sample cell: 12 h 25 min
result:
6 h 05 min
